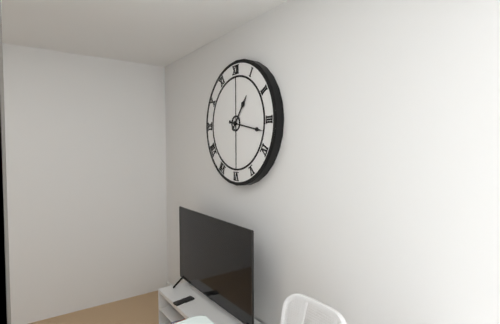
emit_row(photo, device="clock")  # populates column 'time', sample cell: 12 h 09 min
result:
1 h 17 min
